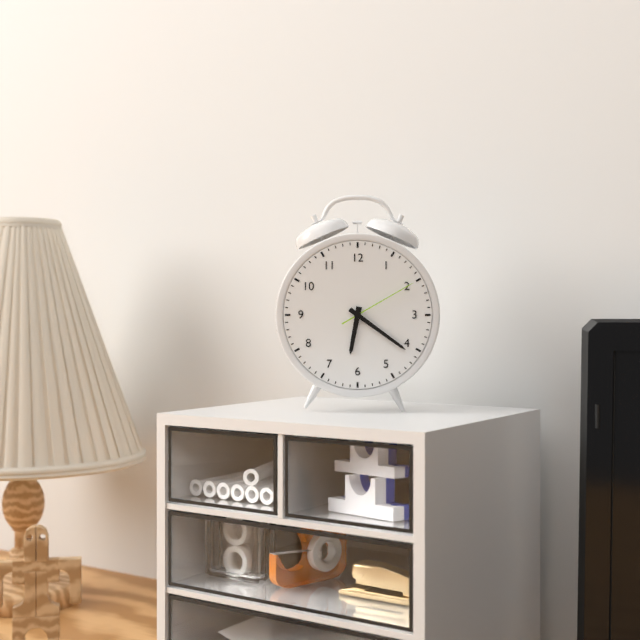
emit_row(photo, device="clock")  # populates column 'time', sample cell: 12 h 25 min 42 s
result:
6 h 21 min 10 s
